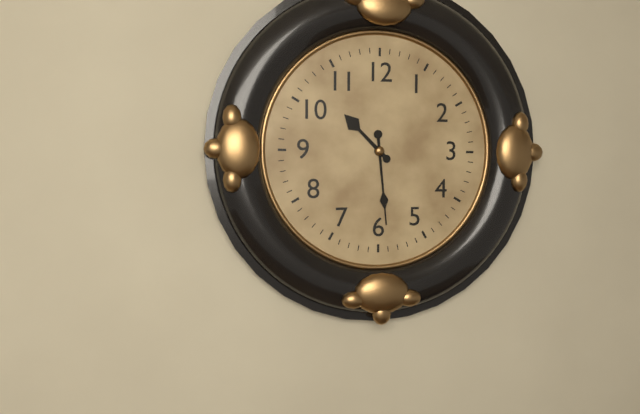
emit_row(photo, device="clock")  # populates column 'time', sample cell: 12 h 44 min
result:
10 h 29 min
